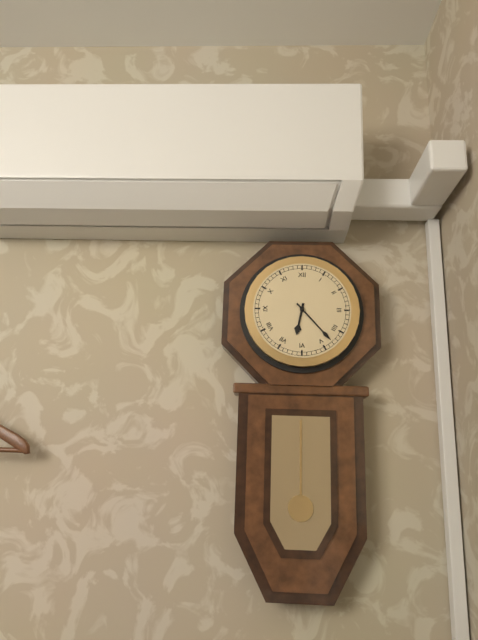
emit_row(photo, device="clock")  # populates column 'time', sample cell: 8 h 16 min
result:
6 h 23 min
